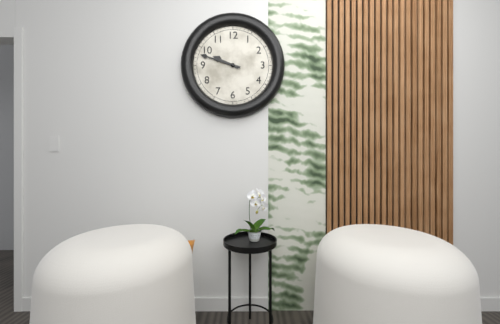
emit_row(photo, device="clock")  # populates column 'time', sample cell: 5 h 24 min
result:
9 h 48 min
